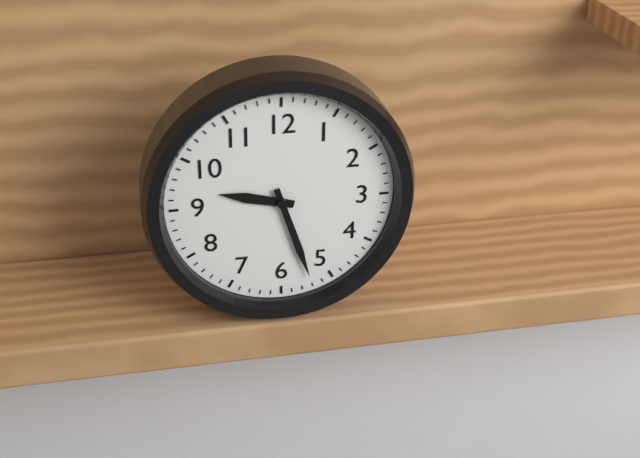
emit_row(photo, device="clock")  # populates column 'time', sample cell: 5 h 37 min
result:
9 h 27 min
